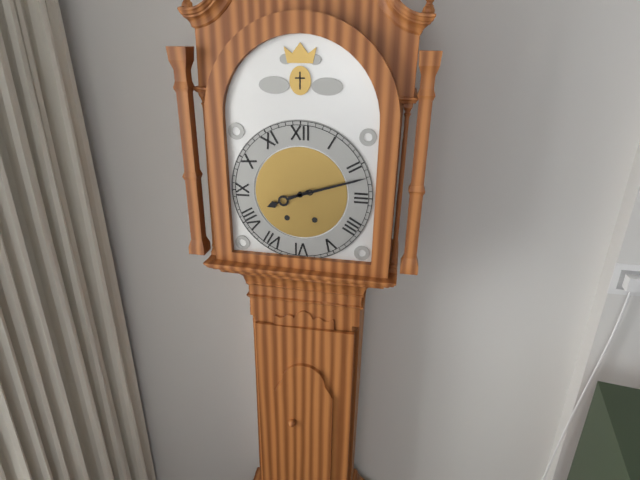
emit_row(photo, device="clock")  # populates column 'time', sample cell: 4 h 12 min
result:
8 h 12 min
